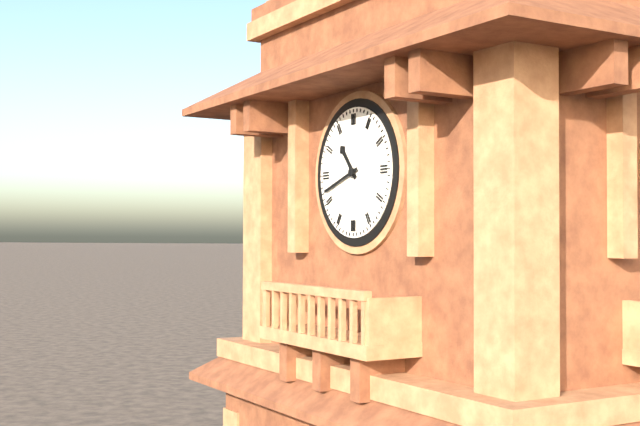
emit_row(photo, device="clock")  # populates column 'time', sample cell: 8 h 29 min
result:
10 h 42 min
